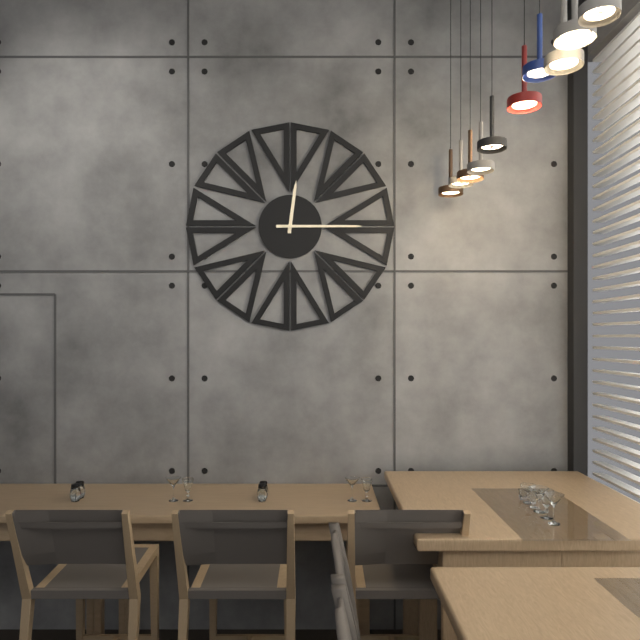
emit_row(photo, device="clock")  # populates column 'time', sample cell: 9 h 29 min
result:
12 h 15 min
